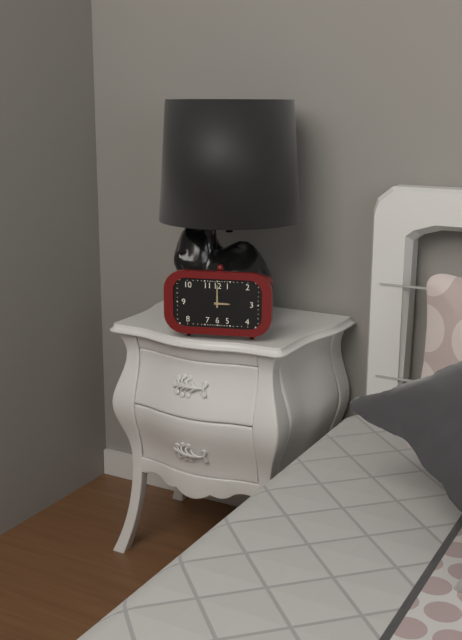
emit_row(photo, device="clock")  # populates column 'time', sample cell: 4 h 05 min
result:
3 h 00 min
